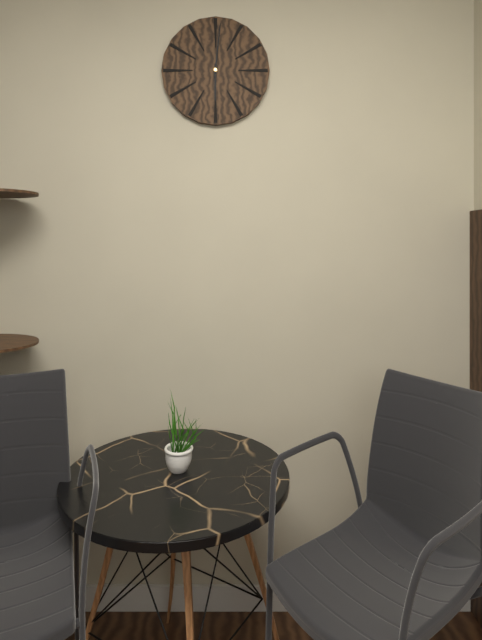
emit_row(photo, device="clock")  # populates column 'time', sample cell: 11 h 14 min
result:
6 h 01 min
